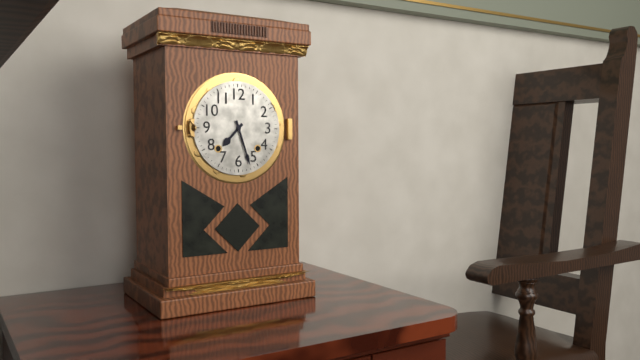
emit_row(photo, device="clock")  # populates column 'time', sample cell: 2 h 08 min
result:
7 h 27 min
